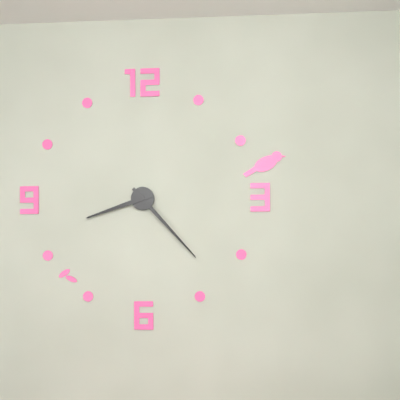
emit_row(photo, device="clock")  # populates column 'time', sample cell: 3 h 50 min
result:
8 h 23 min
